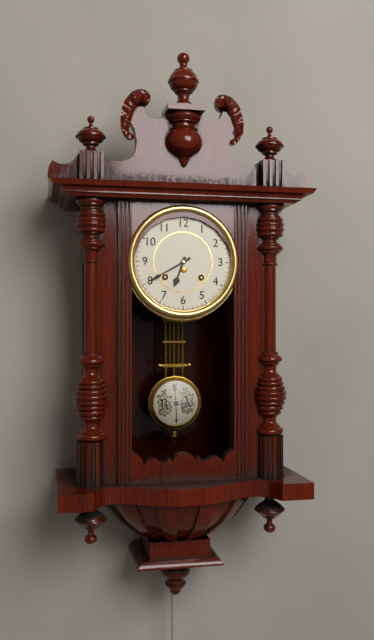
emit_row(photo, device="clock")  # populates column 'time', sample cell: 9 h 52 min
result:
6 h 40 min
